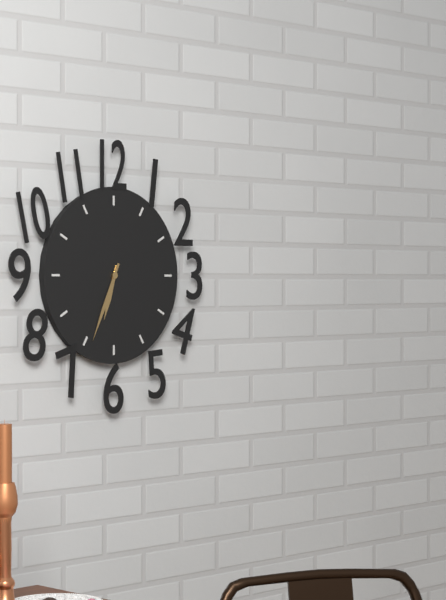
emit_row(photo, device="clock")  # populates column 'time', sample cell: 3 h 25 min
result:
6 h 34 min
